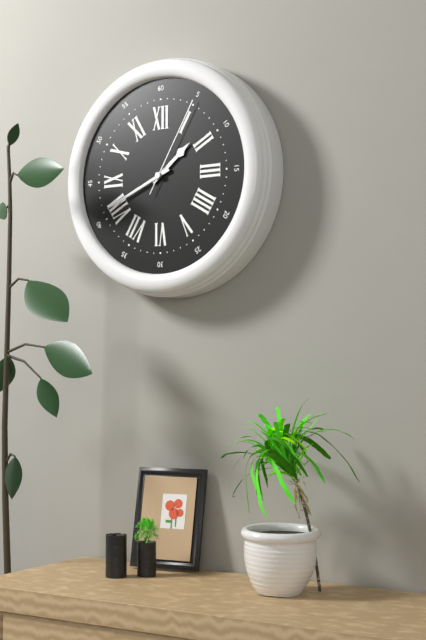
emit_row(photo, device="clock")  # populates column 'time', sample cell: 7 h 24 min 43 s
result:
1 h 41 min 05 s
